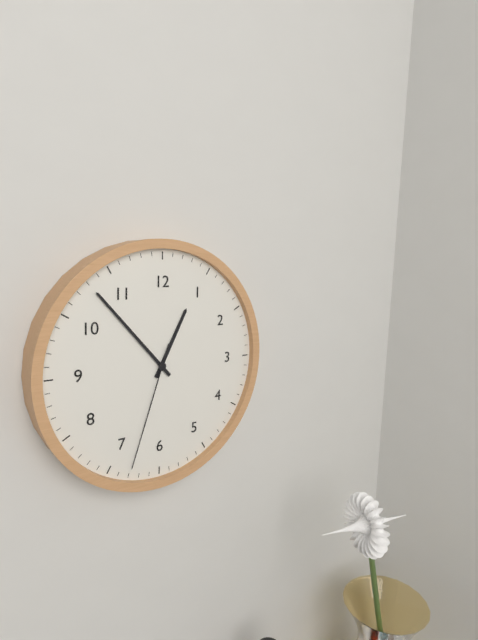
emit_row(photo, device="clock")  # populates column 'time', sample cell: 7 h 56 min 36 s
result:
12 h 53 min 33 s
